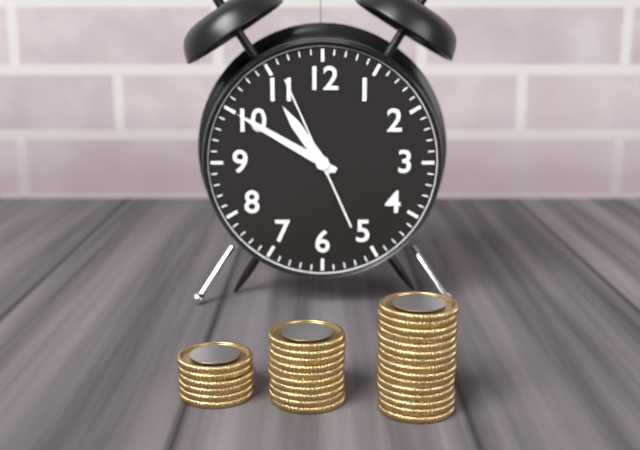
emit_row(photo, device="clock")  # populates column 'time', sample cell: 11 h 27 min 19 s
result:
10 h 50 min 56 s
